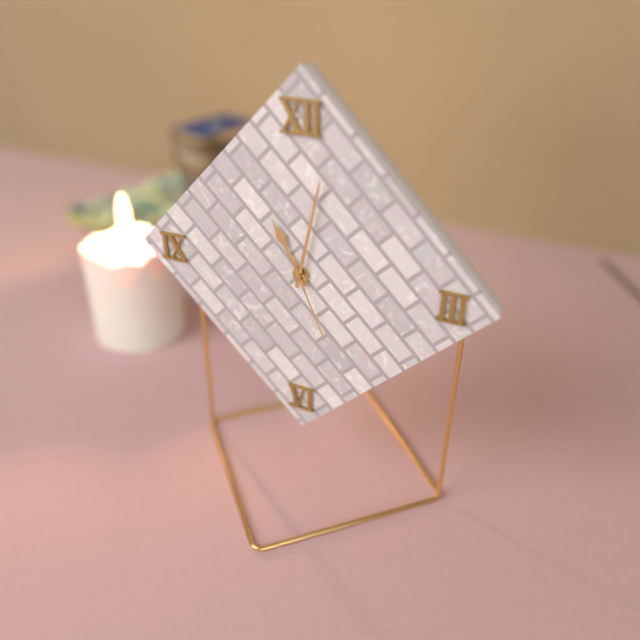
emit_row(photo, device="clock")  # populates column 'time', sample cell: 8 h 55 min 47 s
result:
11 h 02 min 26 s
